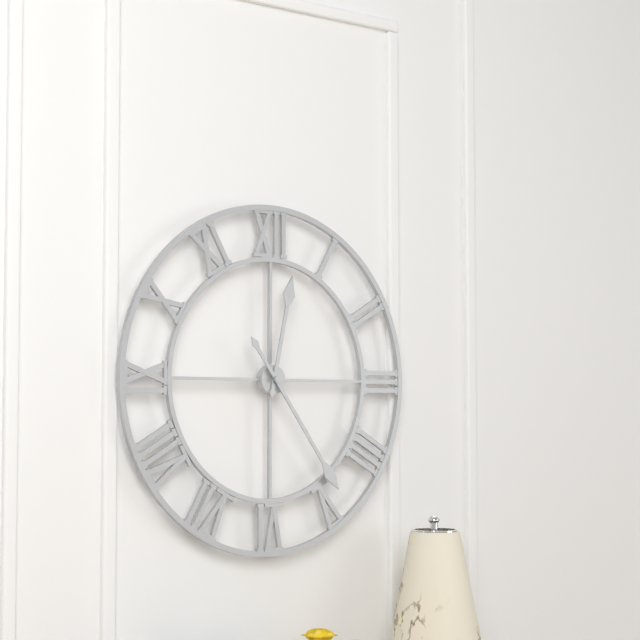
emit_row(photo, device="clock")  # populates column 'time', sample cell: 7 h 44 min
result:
12 h 24 min
